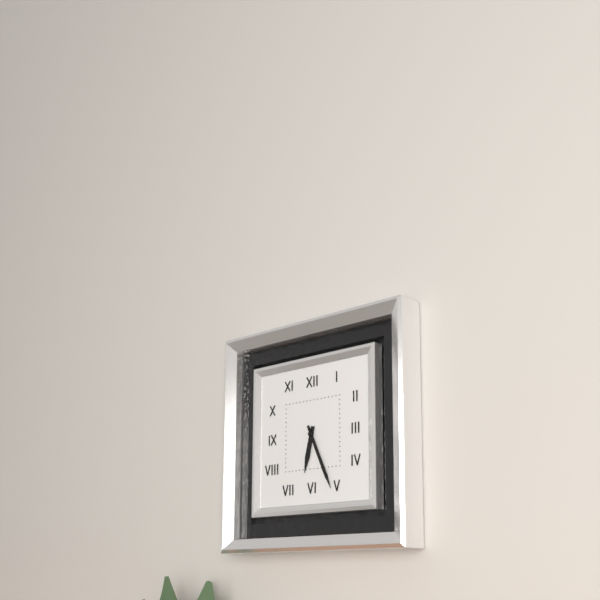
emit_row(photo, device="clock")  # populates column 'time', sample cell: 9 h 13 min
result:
6 h 26 min
